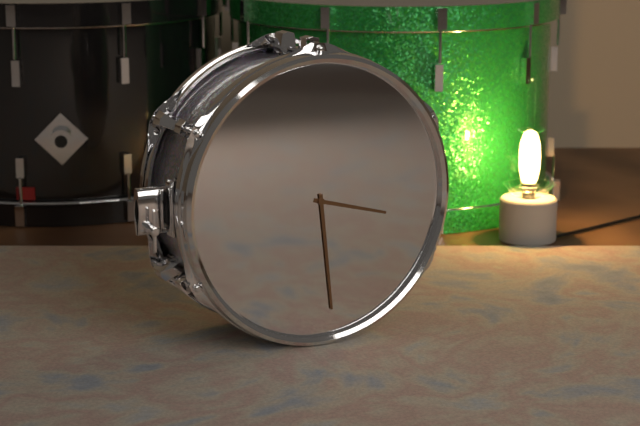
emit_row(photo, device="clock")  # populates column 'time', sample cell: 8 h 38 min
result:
3 h 29 min
